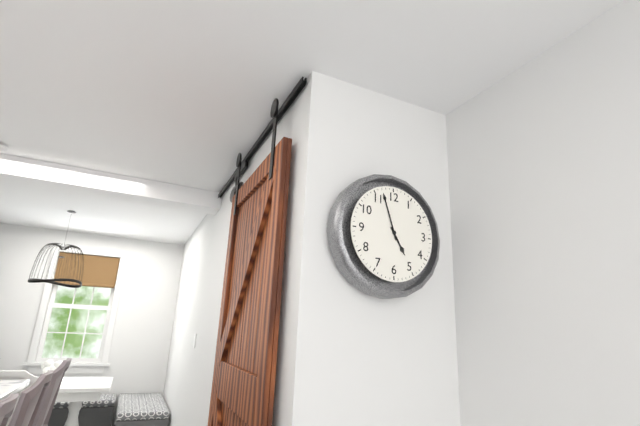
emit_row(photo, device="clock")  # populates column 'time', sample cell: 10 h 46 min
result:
4 h 57 min
